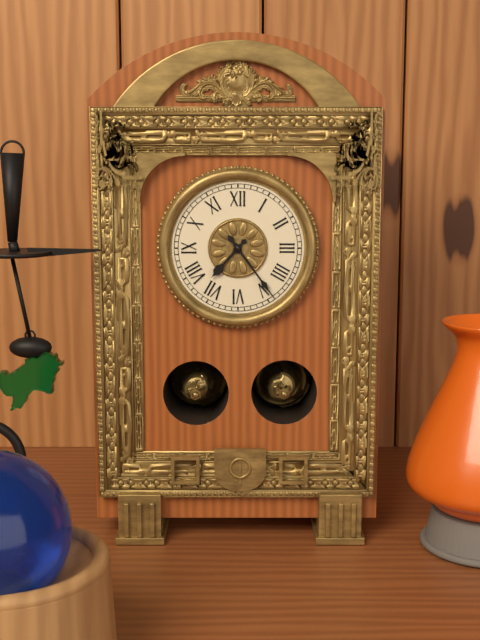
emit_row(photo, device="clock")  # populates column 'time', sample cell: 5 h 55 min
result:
7 h 24 min
